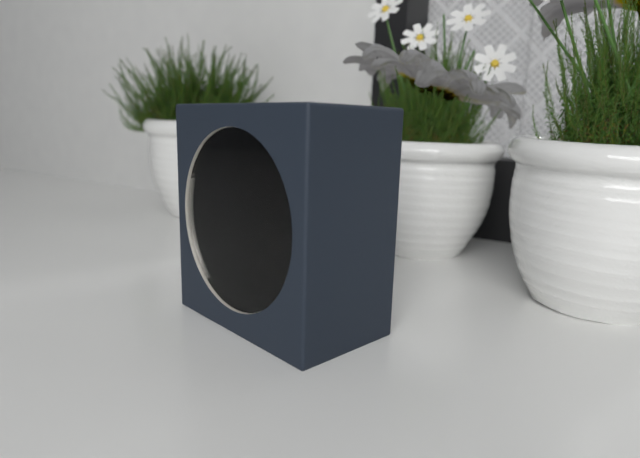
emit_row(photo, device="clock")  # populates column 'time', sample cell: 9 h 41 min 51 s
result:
3 h 23 min 37 s
